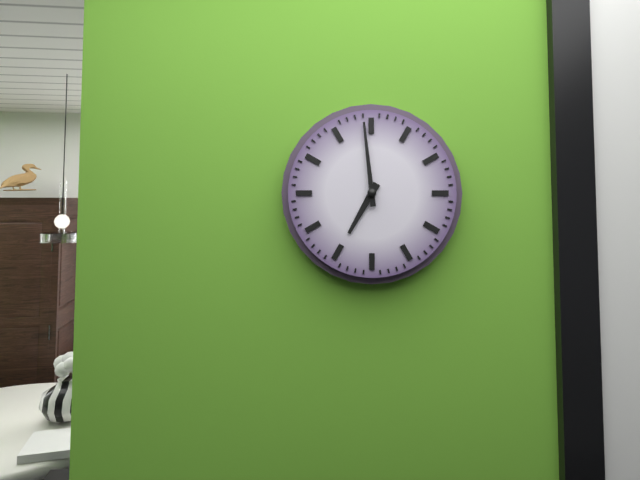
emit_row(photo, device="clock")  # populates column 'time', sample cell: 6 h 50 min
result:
6 h 59 min
